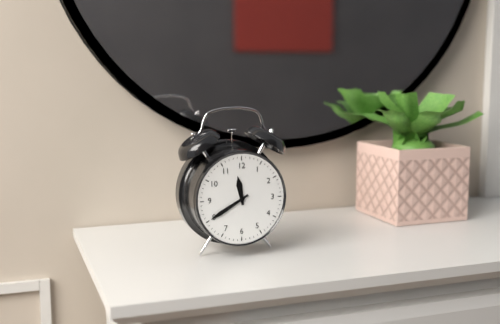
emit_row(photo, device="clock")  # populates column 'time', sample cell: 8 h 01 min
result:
11 h 40 min
